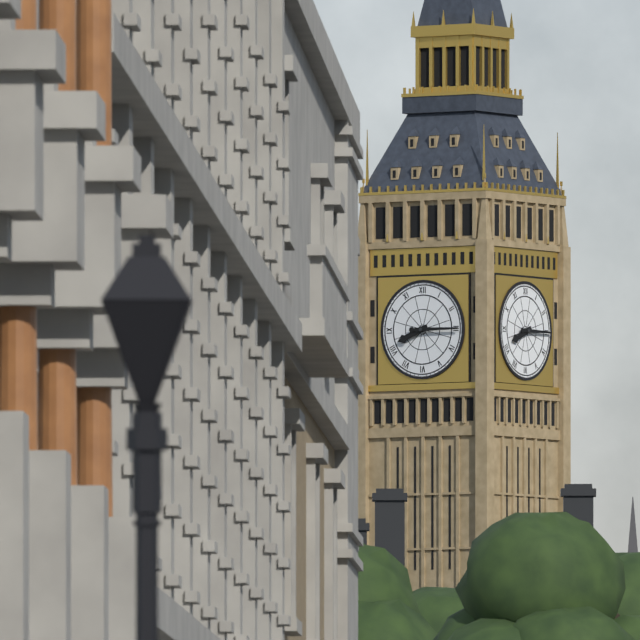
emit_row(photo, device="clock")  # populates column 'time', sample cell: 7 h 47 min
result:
8 h 15 min
